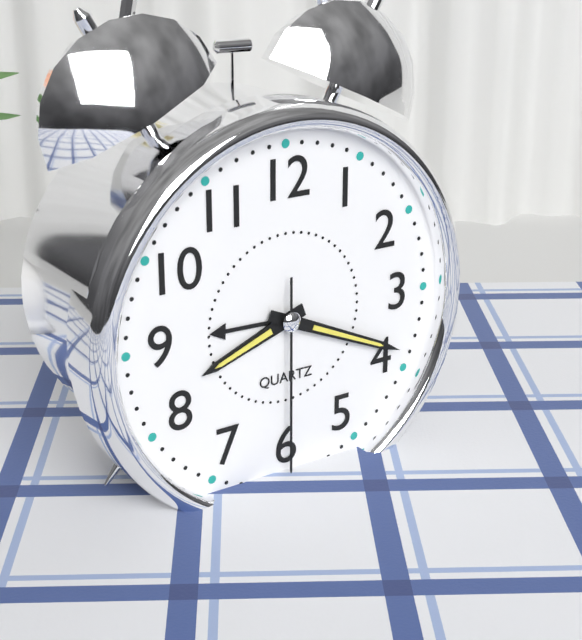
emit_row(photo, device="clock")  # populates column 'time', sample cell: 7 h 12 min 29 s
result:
8 h 19 min 30 s
